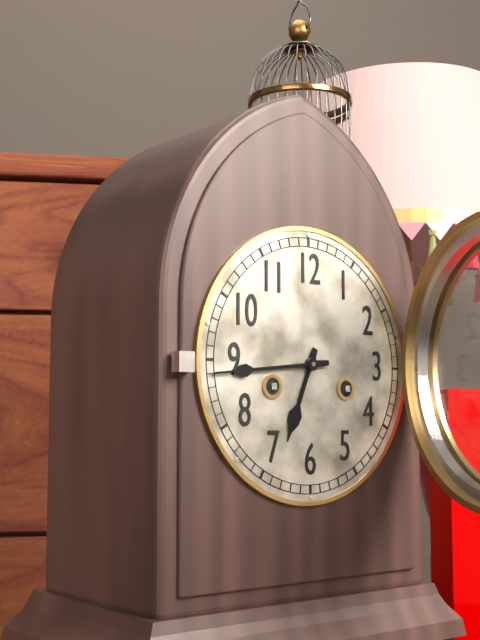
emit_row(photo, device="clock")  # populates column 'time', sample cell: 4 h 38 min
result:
6 h 44 min
